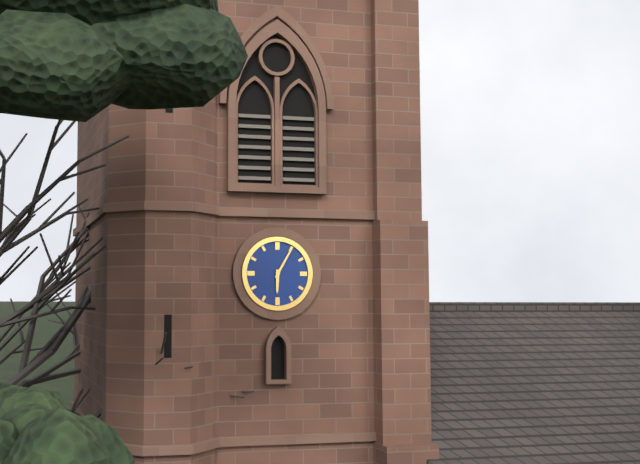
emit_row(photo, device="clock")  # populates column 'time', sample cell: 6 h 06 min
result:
6 h 05 min
